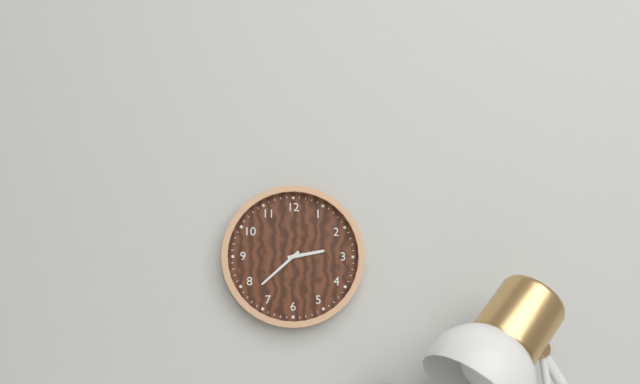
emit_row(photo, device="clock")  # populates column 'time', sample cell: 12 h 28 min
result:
2 h 38 min
